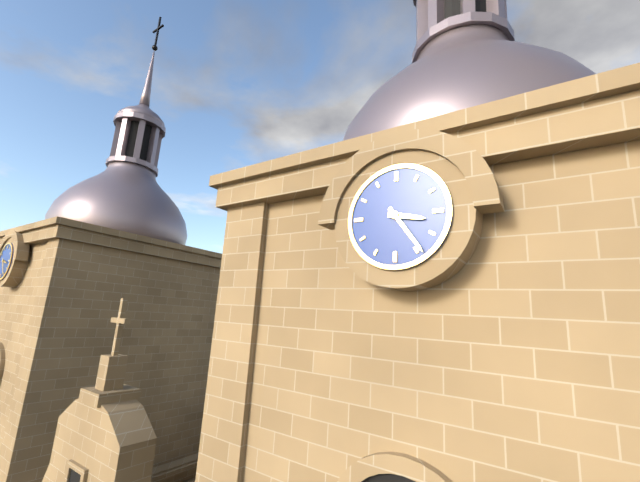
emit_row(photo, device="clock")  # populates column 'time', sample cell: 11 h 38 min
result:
3 h 24 min
